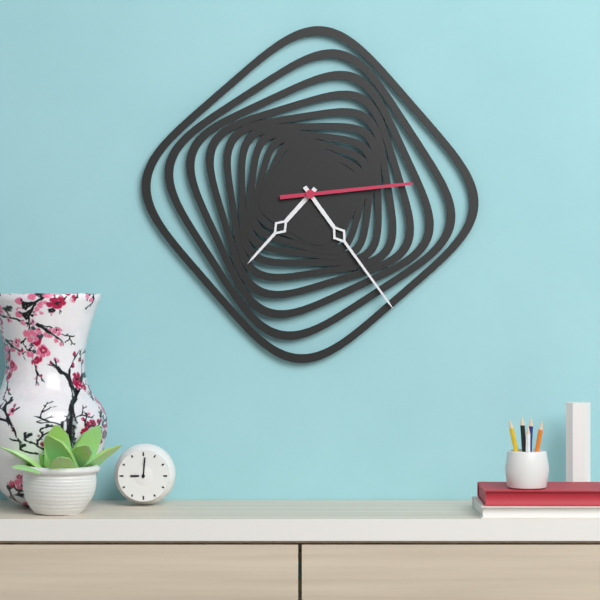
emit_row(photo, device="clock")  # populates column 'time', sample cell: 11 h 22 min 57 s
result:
7 h 24 min 14 s
